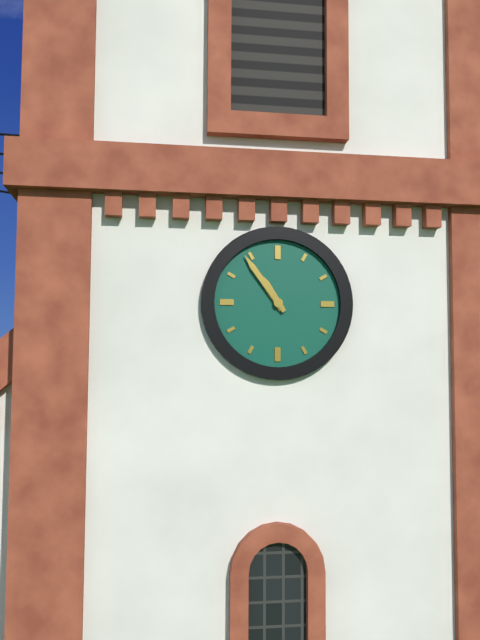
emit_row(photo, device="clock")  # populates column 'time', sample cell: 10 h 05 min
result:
10 h 54 min
